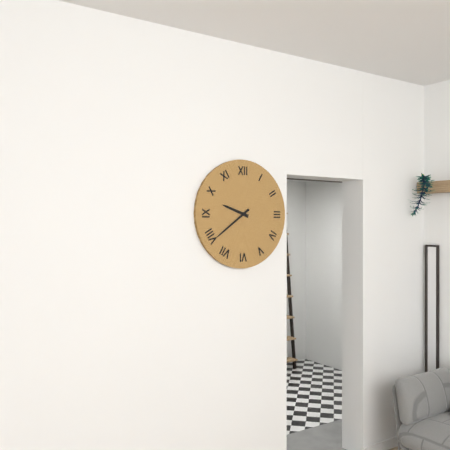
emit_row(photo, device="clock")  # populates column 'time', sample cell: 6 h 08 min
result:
9 h 39 min
